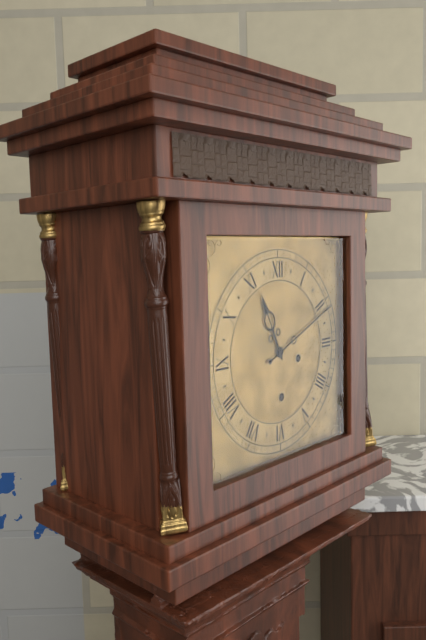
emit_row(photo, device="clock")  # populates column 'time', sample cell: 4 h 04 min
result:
11 h 11 min
